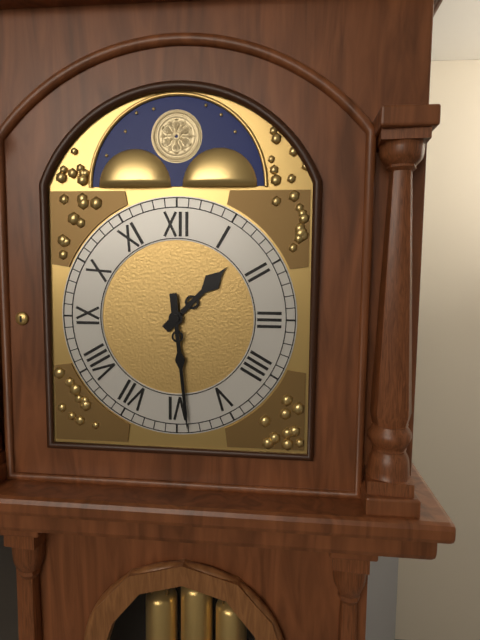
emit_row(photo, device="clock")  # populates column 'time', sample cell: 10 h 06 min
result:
1 h 29 min
